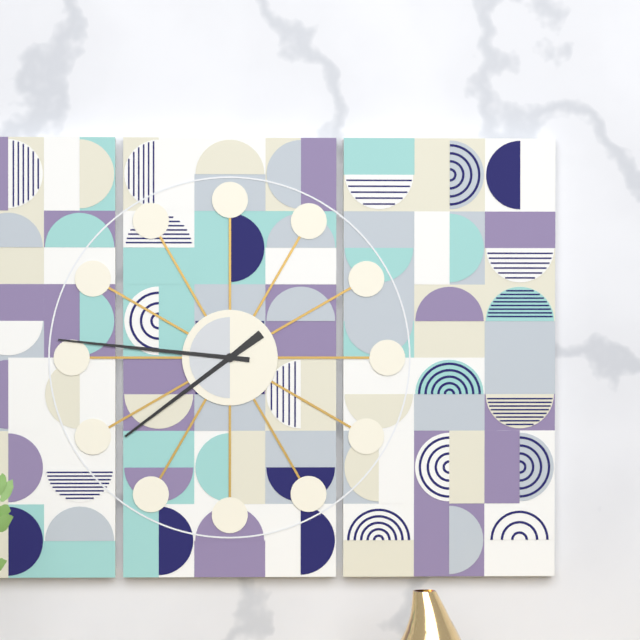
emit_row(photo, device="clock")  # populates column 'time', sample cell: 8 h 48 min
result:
7 h 46 min
